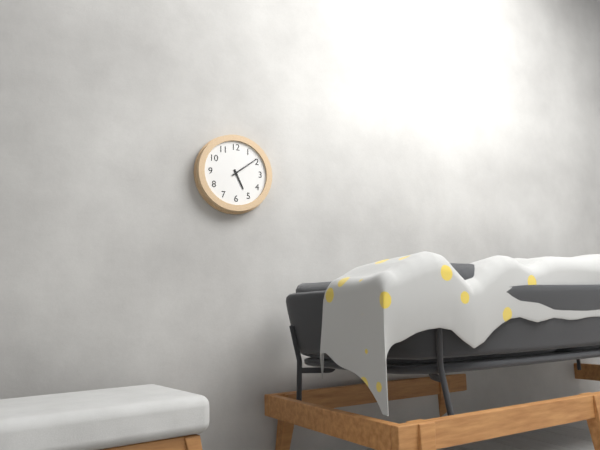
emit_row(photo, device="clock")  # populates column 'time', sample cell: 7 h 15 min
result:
5 h 09 min
